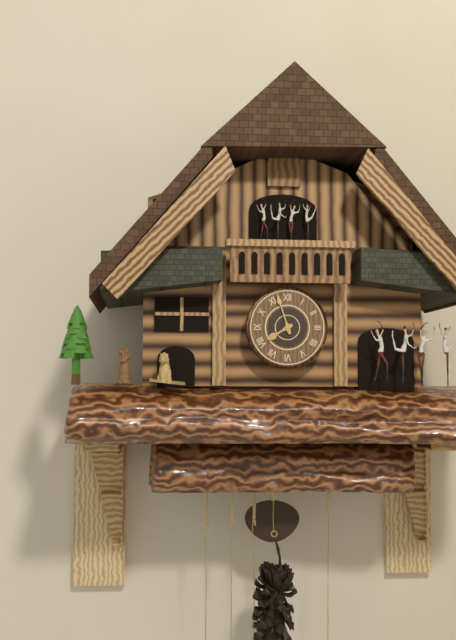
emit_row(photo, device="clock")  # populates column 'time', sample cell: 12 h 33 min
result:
7 h 57 min
